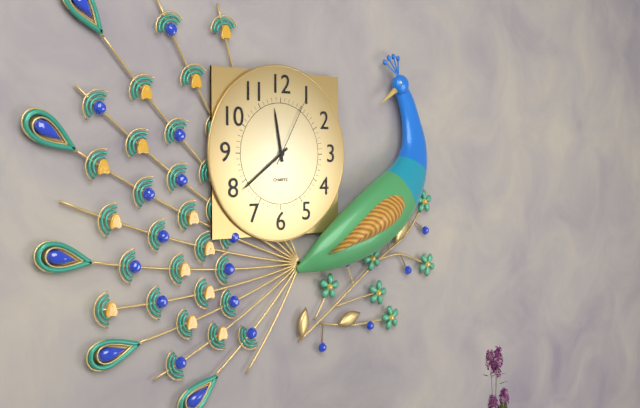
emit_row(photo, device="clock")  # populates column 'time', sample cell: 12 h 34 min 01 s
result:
11 h 39 min 05 s
